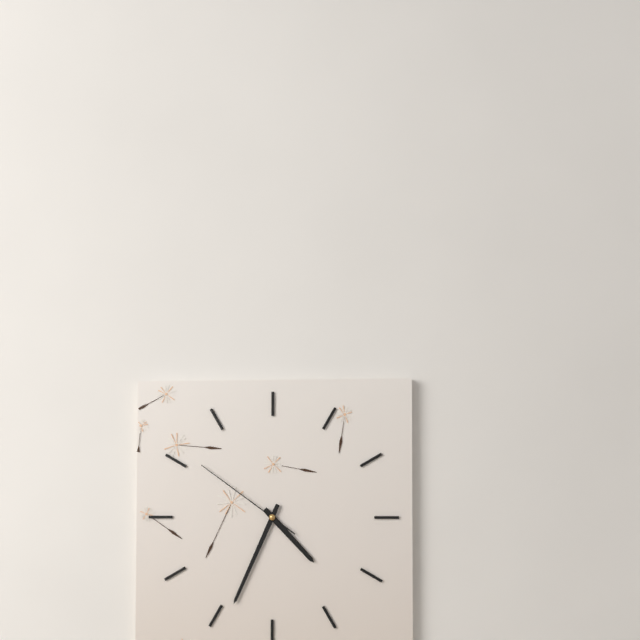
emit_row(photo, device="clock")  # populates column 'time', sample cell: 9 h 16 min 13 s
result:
4 h 34 min 51 s
